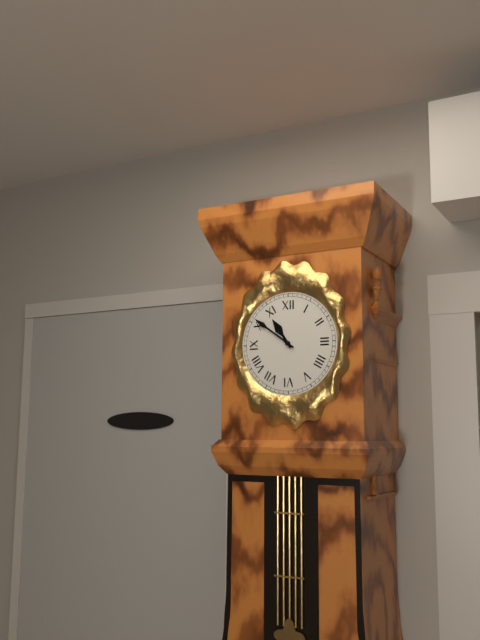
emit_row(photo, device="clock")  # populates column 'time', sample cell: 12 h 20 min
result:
10 h 51 min
